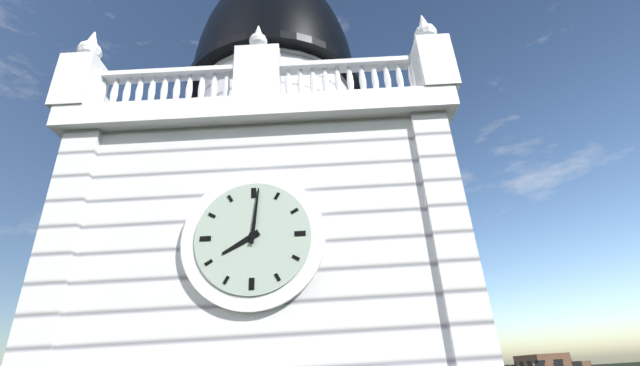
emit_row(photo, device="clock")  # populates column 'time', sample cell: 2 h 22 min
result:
8 h 01 min
